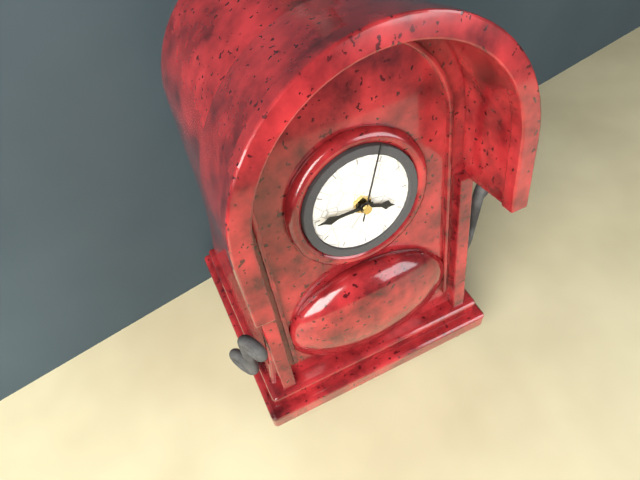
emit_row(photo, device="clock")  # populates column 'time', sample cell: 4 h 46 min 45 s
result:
3 h 45 min 03 s
